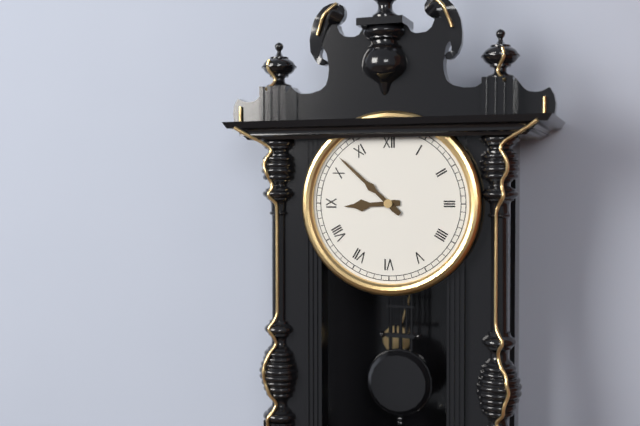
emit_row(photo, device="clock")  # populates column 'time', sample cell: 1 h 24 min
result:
8 h 52 min
